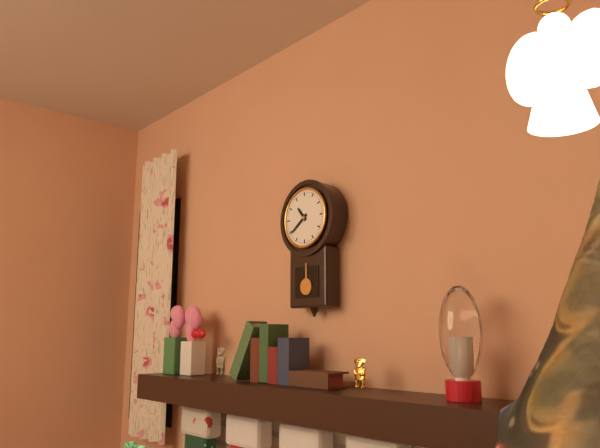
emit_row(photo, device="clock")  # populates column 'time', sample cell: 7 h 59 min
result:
10 h 39 min
